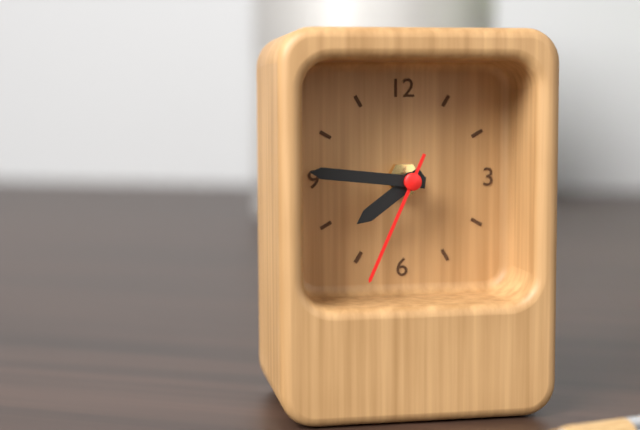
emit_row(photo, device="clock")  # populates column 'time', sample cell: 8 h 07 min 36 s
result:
7 h 46 min 34 s
